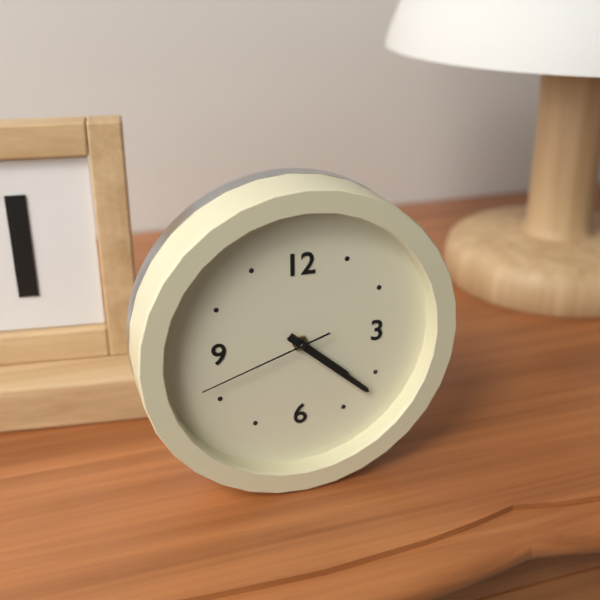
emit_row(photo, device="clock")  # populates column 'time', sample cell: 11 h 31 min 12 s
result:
4 h 22 min 42 s
